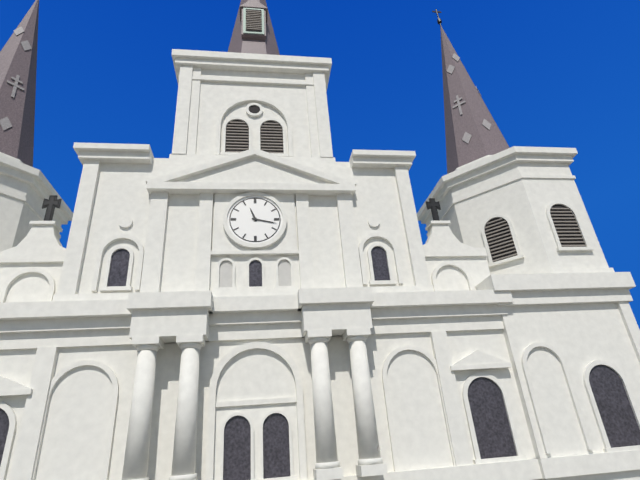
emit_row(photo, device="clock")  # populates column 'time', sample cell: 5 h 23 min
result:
11 h 17 min
